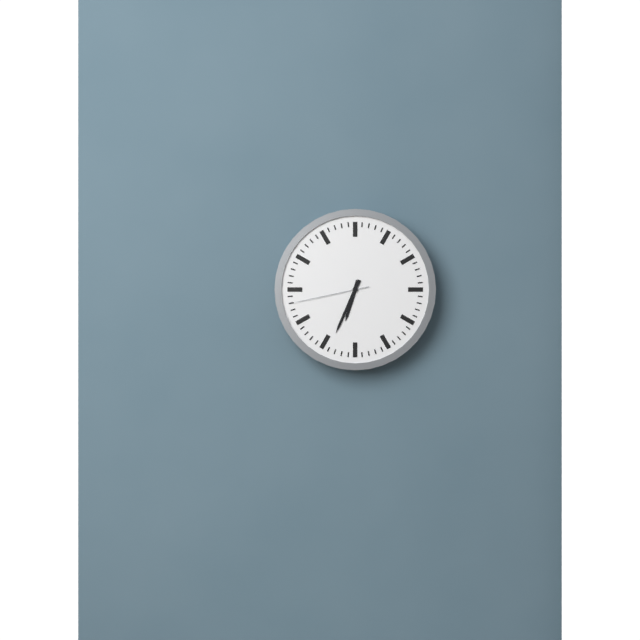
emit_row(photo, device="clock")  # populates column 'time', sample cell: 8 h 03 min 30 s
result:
6 h 34 min 43 s
